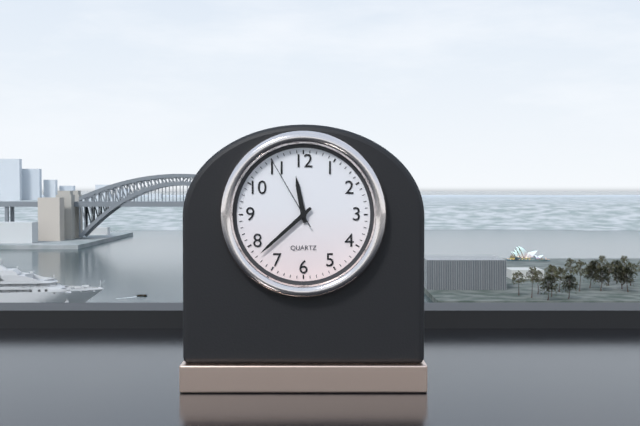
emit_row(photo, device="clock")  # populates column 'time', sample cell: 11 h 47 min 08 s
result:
11 h 38 min 55 s
